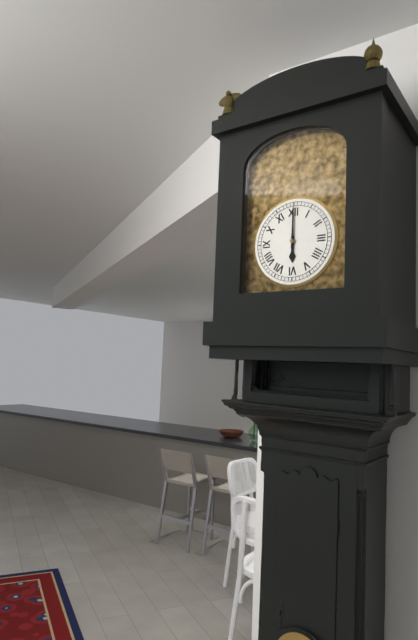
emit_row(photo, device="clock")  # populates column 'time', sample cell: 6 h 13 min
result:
6 h 00 min
